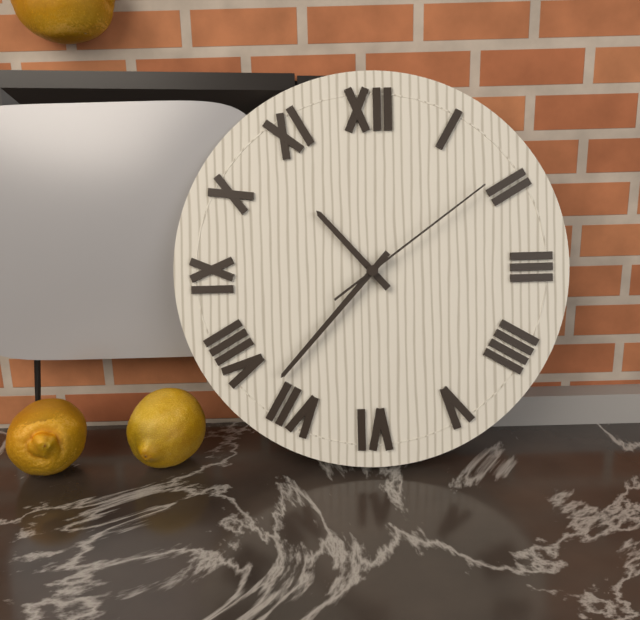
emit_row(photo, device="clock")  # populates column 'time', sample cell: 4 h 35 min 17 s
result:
10 h 37 min 09 s
